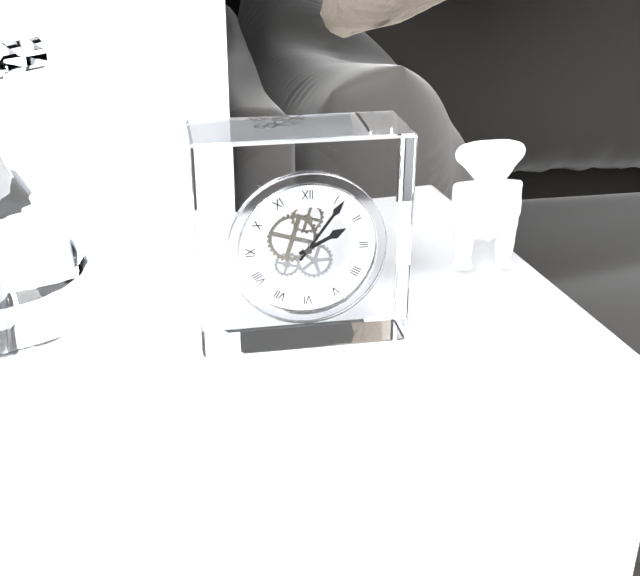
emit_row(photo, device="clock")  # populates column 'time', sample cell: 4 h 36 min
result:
2 h 06 min
